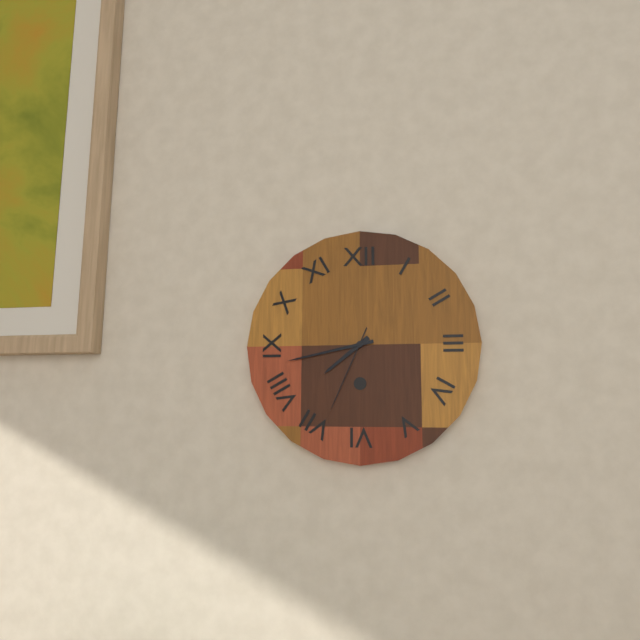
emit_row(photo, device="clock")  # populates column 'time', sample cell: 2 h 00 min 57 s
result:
7 h 43 min 34 s
